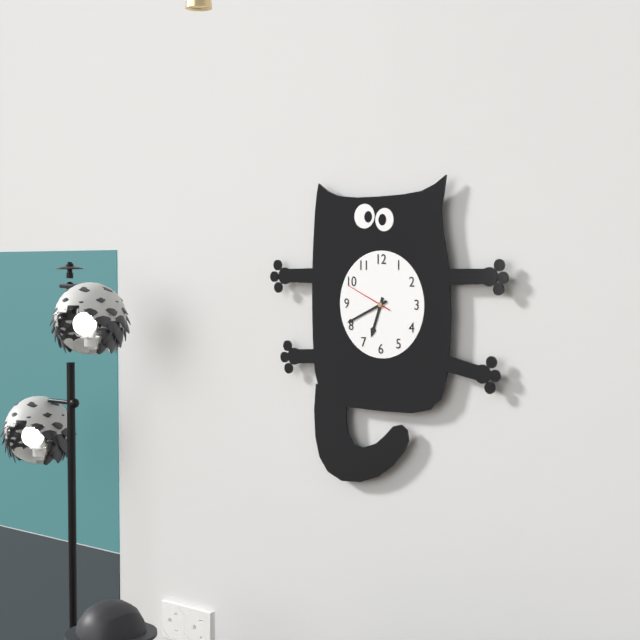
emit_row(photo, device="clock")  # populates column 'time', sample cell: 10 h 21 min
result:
6 h 41 min
